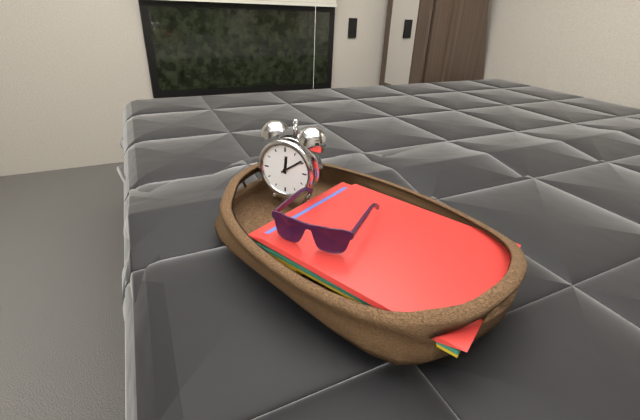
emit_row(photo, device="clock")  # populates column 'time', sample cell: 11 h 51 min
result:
12 h 09 min
